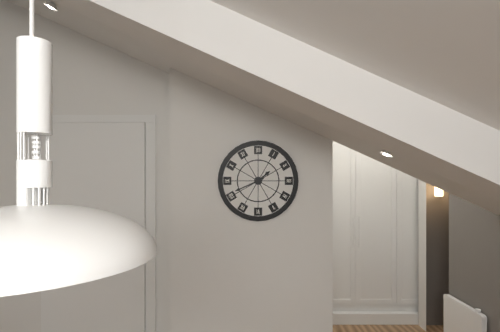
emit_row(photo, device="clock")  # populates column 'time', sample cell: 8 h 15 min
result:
1 h 41 min
